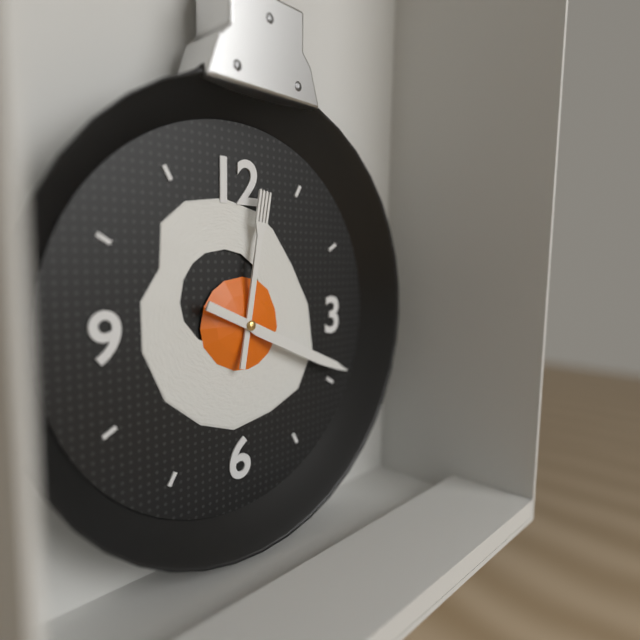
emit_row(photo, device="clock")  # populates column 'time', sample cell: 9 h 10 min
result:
12 h 19 min
